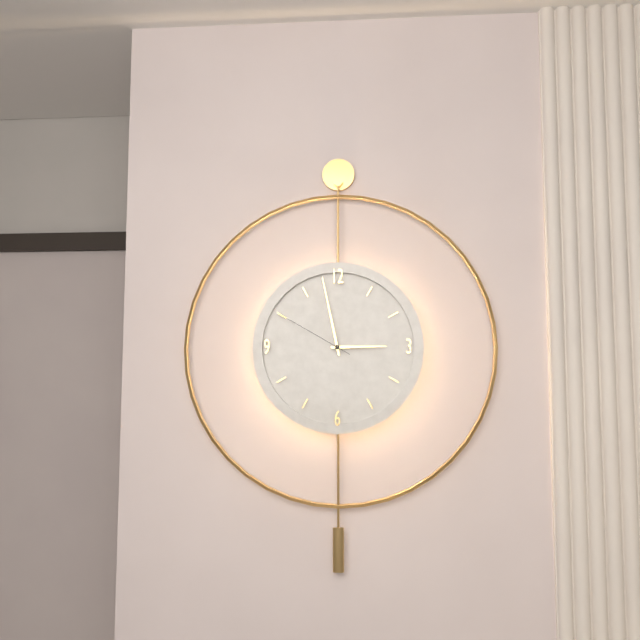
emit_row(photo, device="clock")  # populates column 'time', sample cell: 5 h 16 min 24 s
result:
2 h 58 min 50 s
